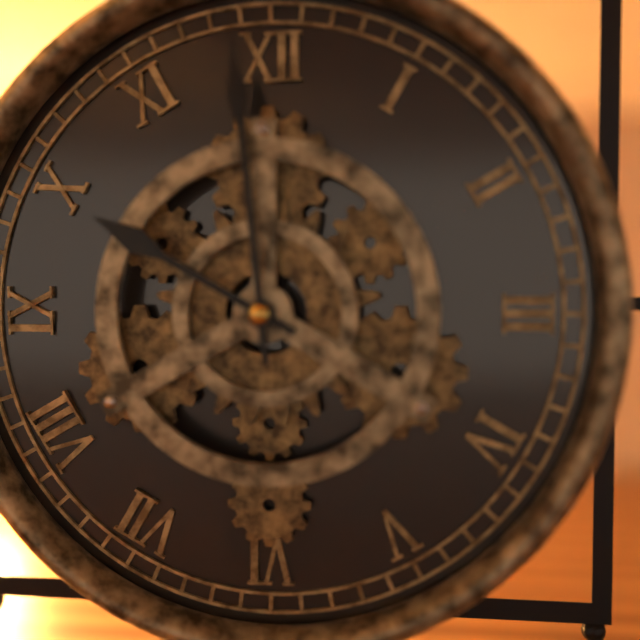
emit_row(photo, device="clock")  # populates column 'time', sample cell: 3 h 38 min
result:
9 h 59 min
